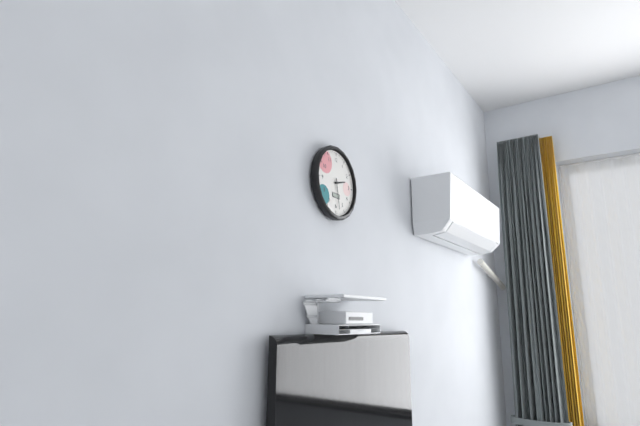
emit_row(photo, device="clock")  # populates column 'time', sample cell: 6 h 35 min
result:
2 h 28 min
